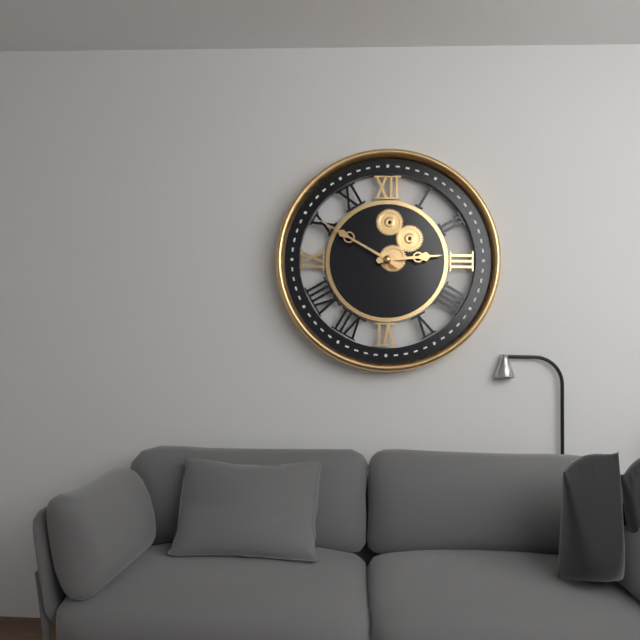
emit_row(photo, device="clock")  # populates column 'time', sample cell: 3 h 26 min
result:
2 h 50 min
